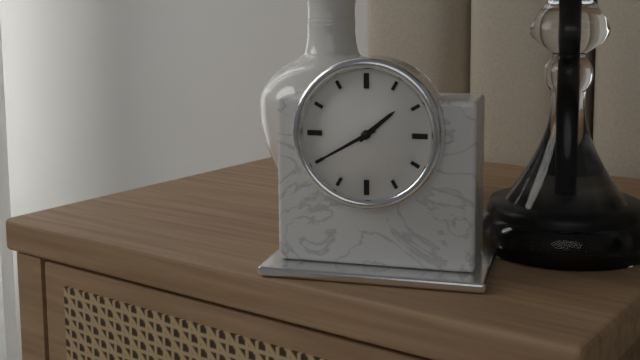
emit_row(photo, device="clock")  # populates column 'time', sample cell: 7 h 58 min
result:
1 h 40 min
